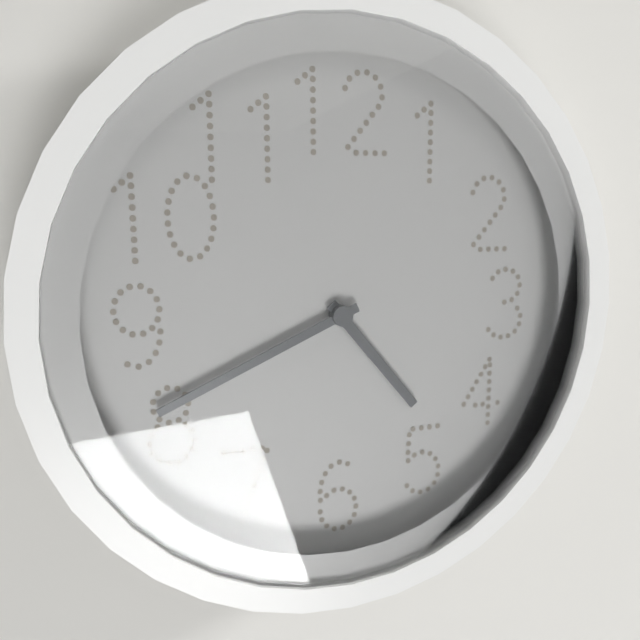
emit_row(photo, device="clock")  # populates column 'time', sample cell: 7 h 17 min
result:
4 h 41 min
